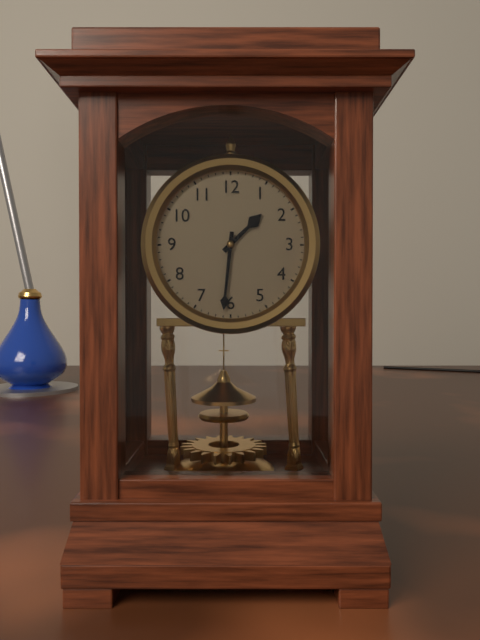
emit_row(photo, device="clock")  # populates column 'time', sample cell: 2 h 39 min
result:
1 h 31 min
